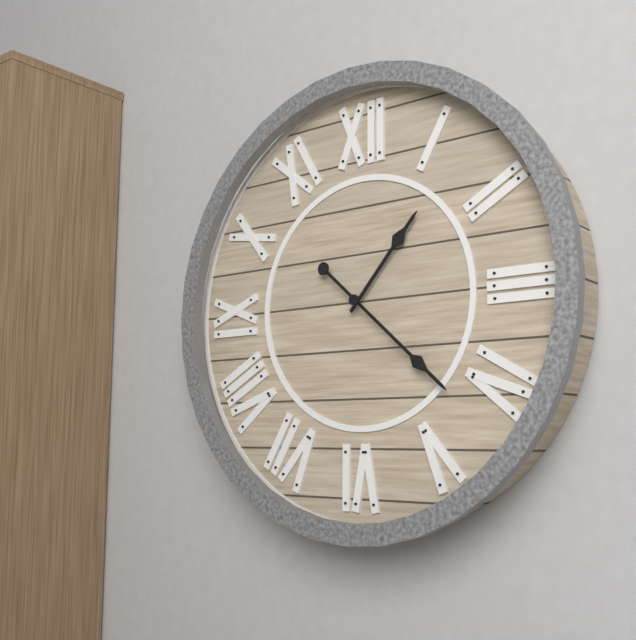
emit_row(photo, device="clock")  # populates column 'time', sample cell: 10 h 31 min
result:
1 h 22 min
